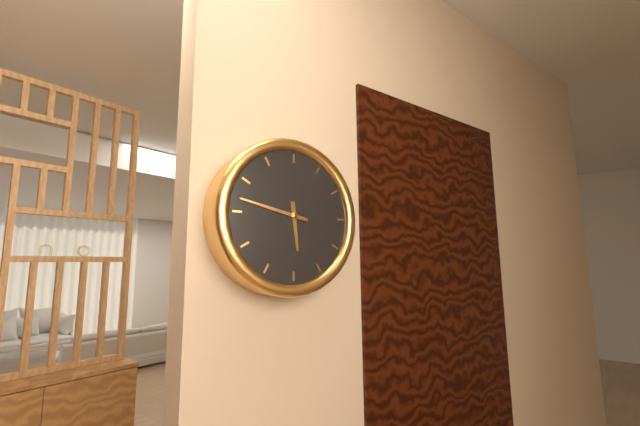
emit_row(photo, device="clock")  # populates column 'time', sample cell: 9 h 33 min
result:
5 h 47 min
